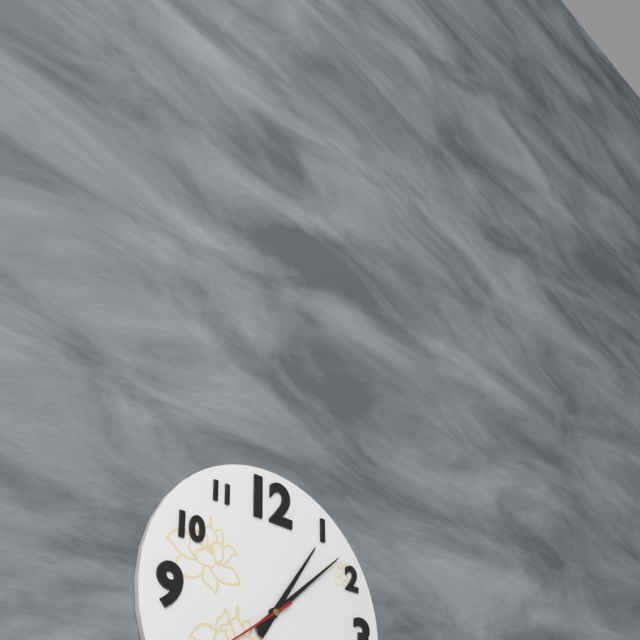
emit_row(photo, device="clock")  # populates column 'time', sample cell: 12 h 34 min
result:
1 h 08 min
